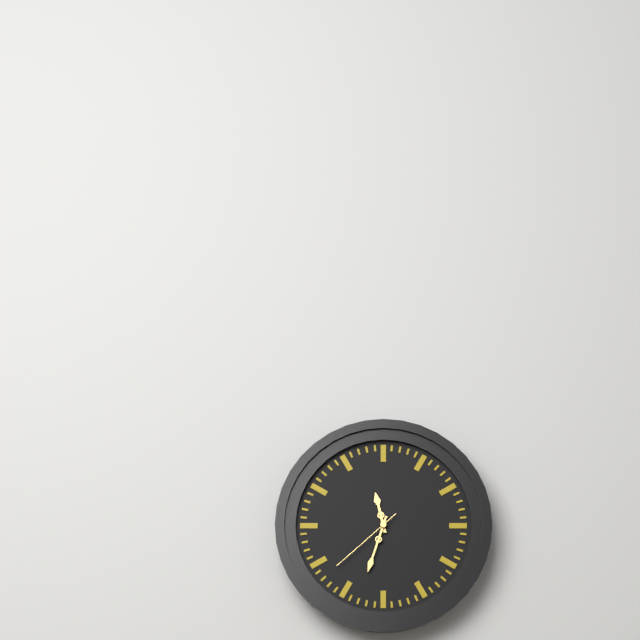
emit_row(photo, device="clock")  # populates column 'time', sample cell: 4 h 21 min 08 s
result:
11 h 33 min 38 s
